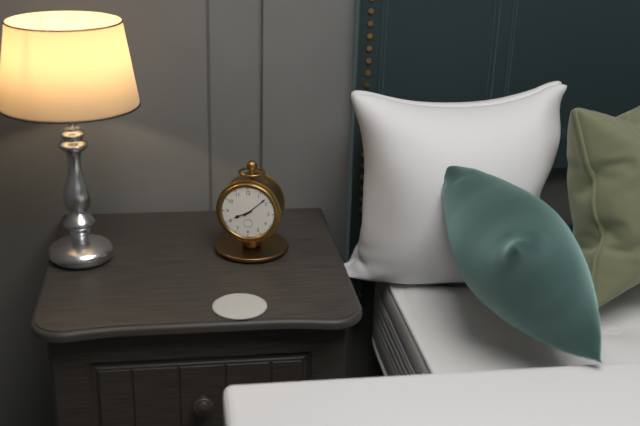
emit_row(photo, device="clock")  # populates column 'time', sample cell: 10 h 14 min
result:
8 h 08 min
